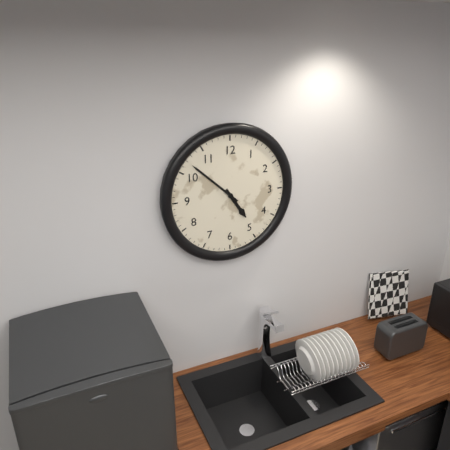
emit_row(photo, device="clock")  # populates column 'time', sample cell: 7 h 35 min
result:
4 h 52 min
